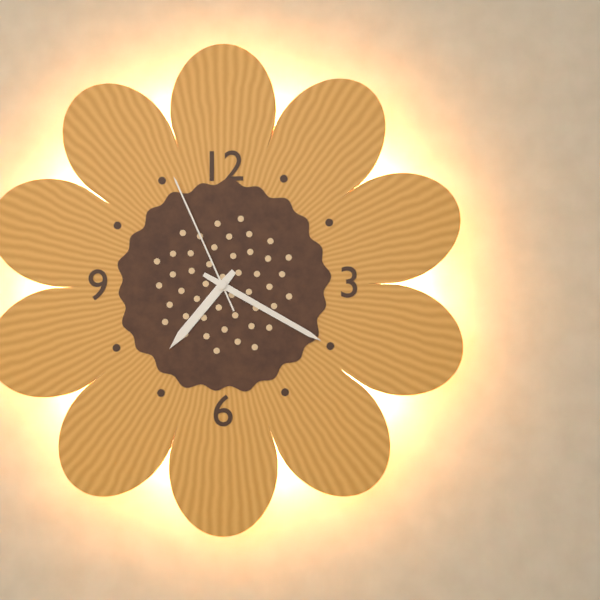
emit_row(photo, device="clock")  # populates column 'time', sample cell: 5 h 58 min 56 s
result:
7 h 20 min 56 s
